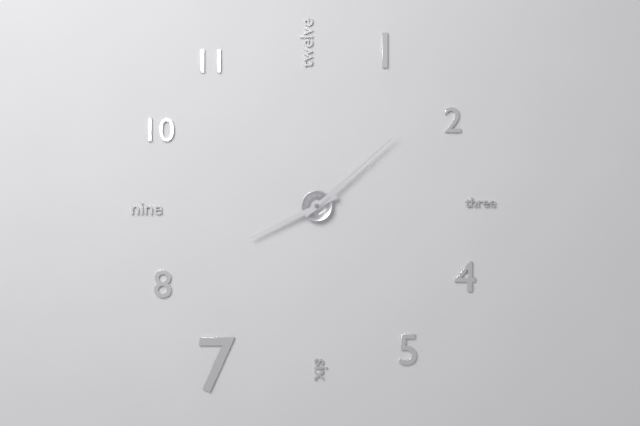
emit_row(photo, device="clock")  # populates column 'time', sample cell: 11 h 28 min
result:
8 h 08 min
